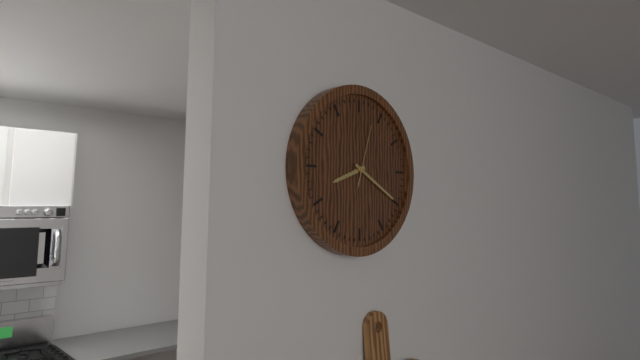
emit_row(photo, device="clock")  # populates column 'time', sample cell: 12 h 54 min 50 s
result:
8 h 20 min 03 s
